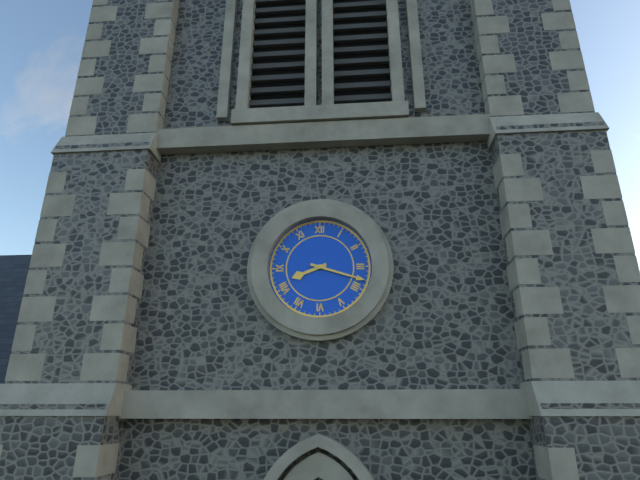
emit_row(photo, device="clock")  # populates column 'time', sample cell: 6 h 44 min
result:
8 h 18 min
